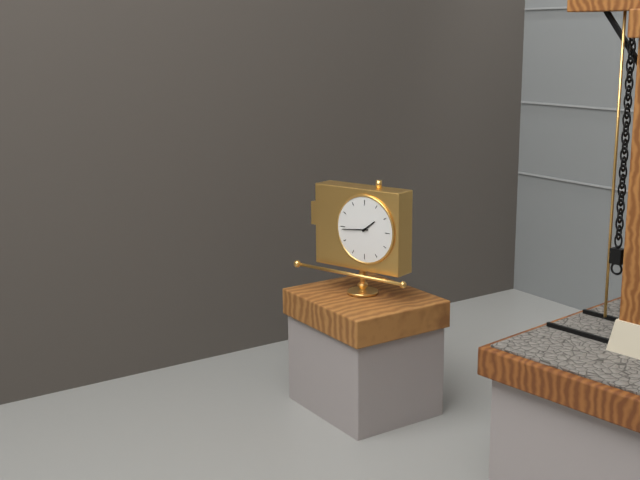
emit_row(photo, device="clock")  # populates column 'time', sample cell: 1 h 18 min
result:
1 h 44 min
